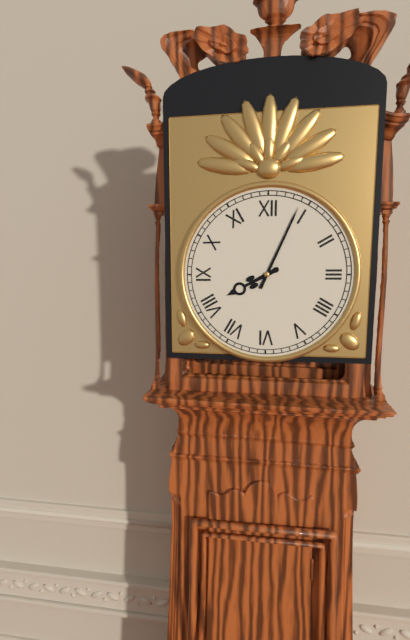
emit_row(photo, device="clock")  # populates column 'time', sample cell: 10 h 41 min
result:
8 h 04 min
